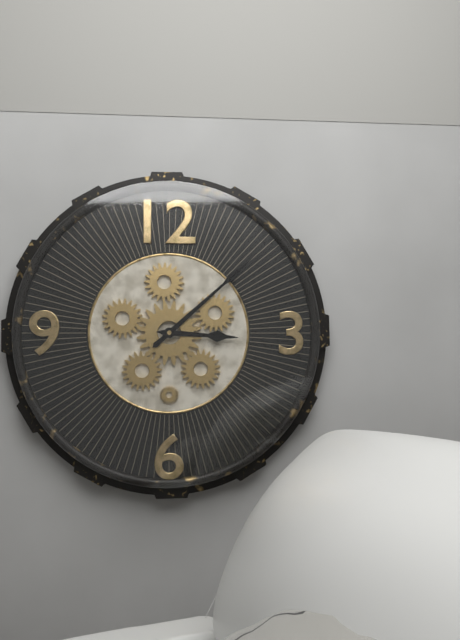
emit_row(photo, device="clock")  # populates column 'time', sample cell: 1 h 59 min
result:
3 h 08 min
